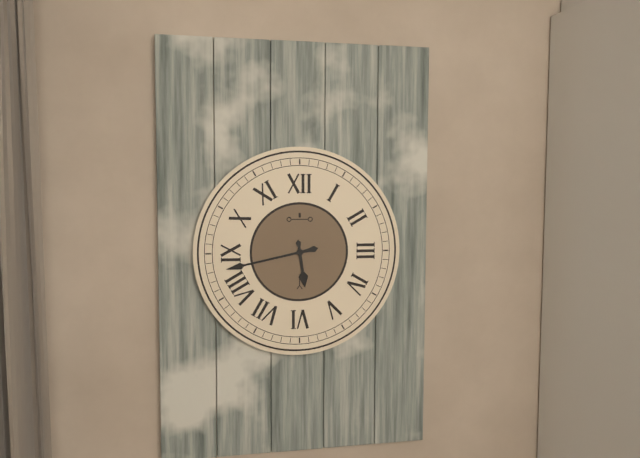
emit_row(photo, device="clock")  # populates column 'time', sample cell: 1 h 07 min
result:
5 h 43 min
